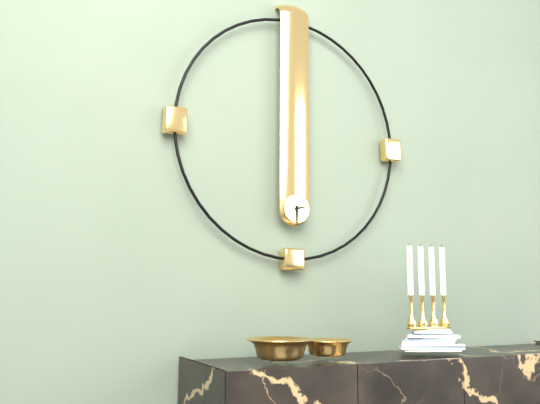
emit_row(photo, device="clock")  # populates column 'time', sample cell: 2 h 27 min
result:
2 h 30 min
